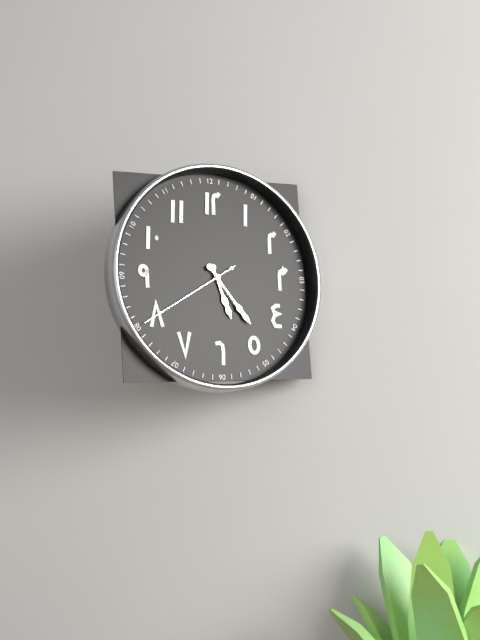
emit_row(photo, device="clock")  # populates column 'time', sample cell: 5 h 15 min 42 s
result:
5 h 24 min 40 s
